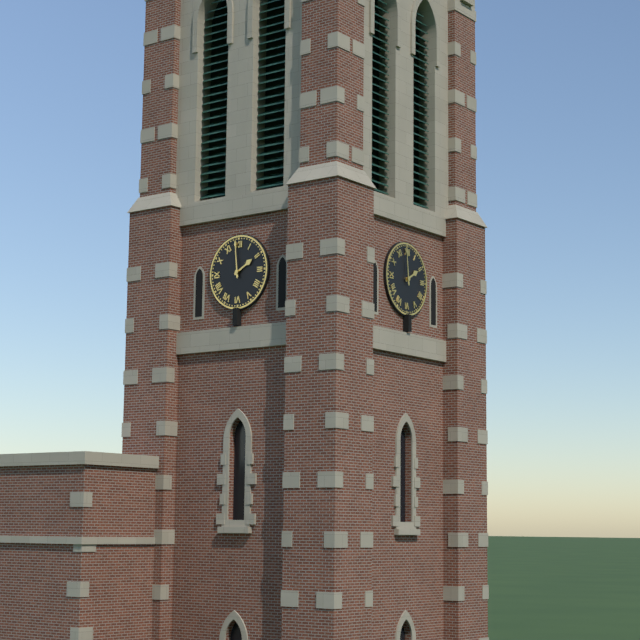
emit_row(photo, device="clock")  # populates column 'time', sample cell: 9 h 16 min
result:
1 h 59 min
